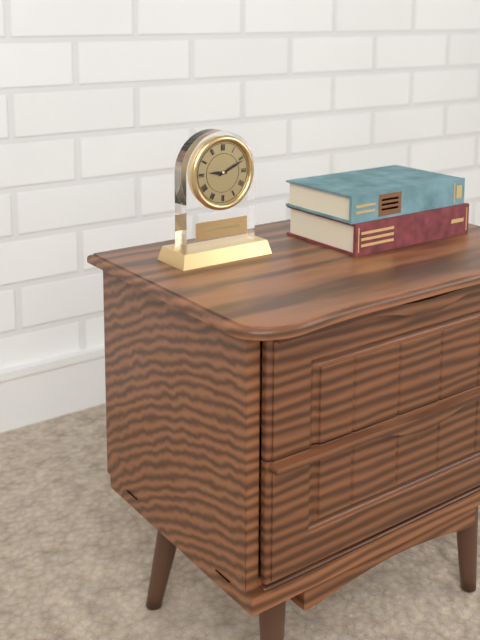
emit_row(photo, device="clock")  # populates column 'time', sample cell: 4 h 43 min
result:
9 h 11 min
